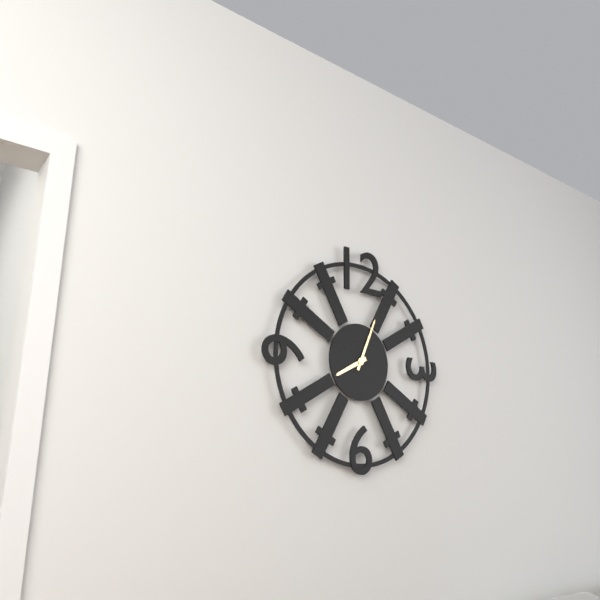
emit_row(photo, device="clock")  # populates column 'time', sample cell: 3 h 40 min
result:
8 h 04 min
